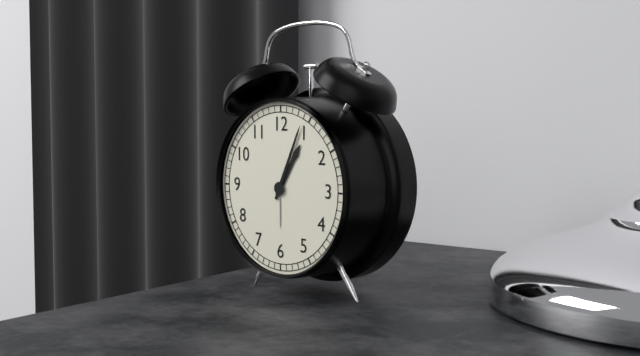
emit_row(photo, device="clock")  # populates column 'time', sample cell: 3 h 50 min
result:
1 h 04 min
